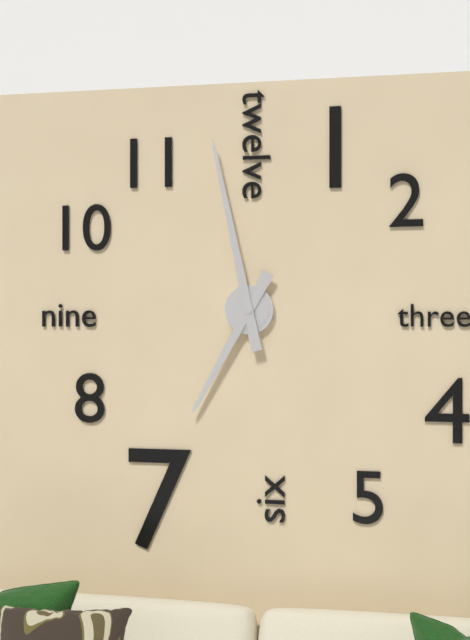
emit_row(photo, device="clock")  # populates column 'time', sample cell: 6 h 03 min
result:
6 h 58 min
